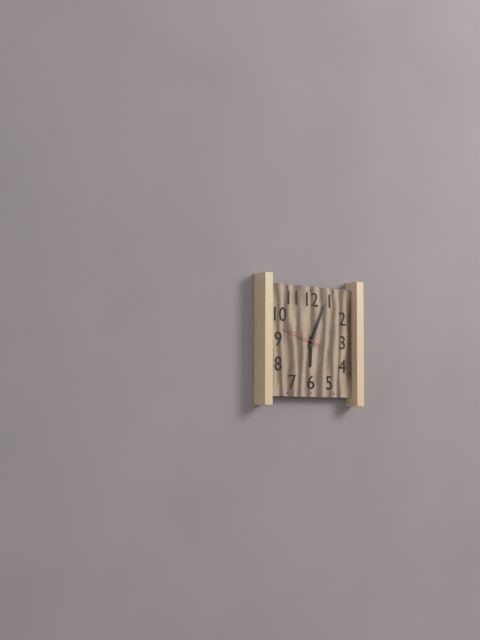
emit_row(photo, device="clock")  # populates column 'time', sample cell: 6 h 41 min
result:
6 h 04 min
